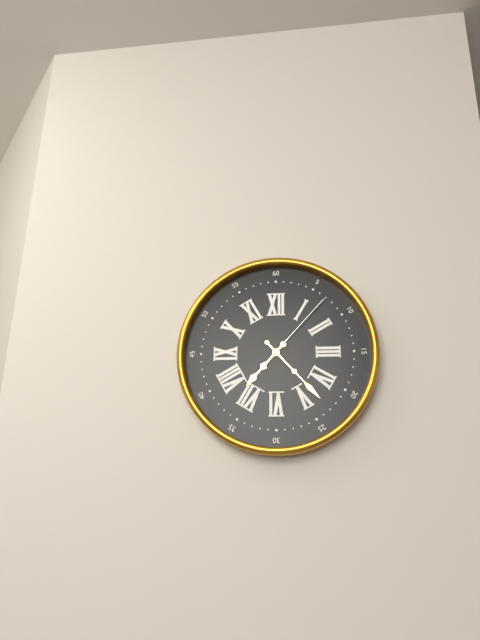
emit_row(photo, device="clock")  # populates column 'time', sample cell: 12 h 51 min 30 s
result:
7 h 23 min 07 s
